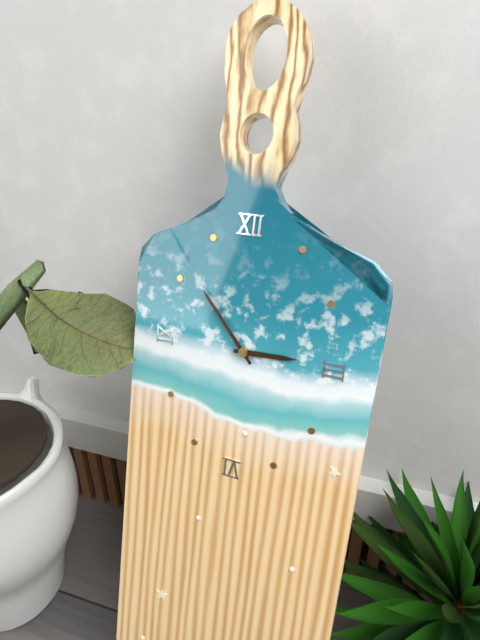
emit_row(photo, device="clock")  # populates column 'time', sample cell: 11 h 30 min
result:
2 h 53 min
